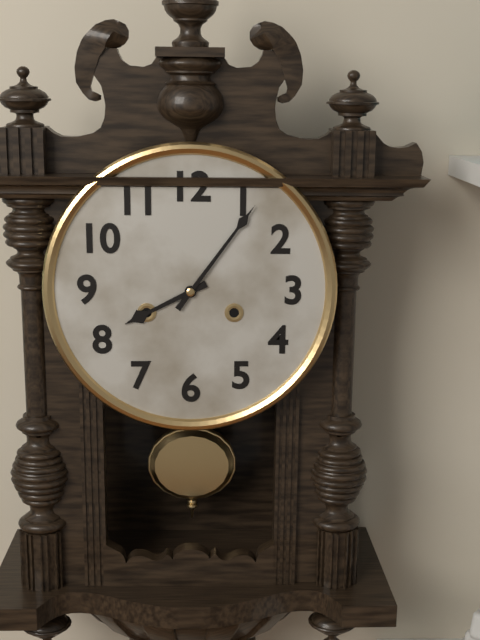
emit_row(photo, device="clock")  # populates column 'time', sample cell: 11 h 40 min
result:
8 h 06 min
